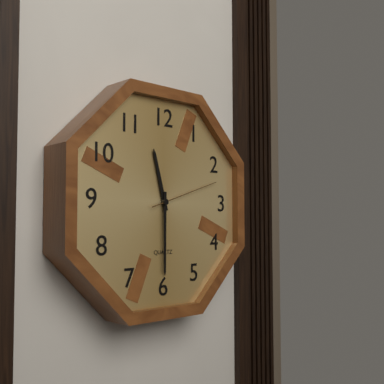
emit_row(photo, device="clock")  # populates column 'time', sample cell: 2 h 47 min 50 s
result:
11 h 30 min 12 s
